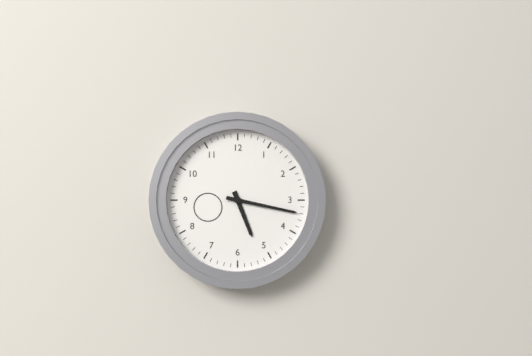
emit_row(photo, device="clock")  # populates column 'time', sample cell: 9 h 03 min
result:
5 h 17 min
